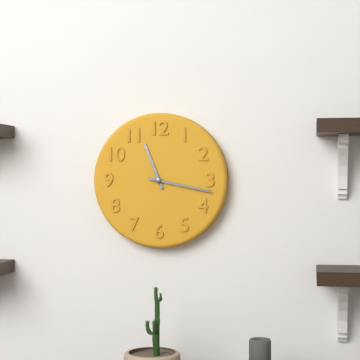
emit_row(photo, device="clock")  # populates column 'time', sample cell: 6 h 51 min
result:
11 h 17 min
